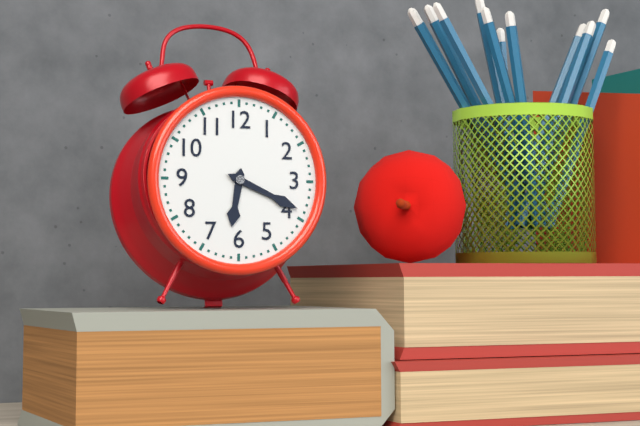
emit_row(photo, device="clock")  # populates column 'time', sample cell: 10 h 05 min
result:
6 h 19 min
